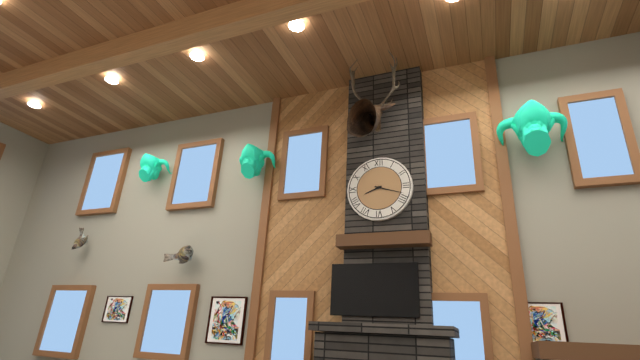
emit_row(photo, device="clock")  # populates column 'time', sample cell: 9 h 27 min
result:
8 h 18 min
